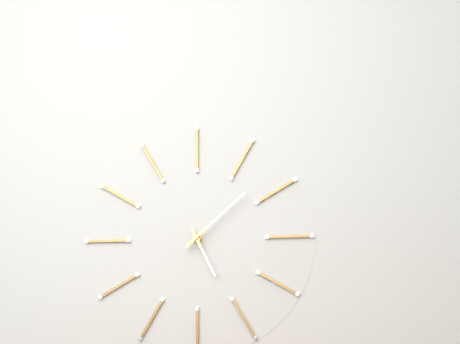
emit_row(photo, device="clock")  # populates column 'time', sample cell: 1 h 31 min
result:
5 h 08 min
